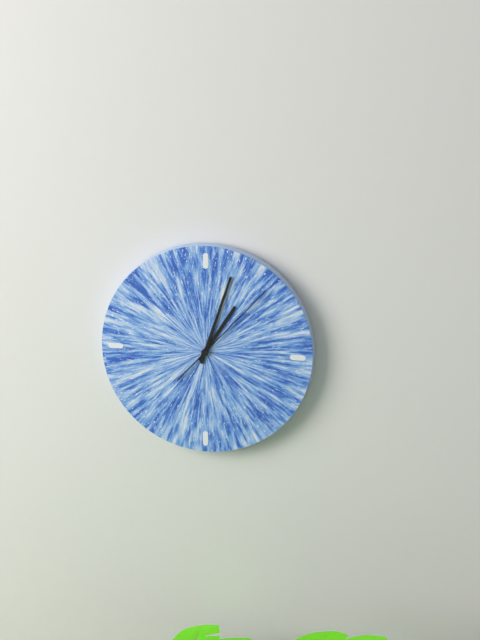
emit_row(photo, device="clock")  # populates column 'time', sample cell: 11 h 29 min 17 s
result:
1 h 03 min 07 s
